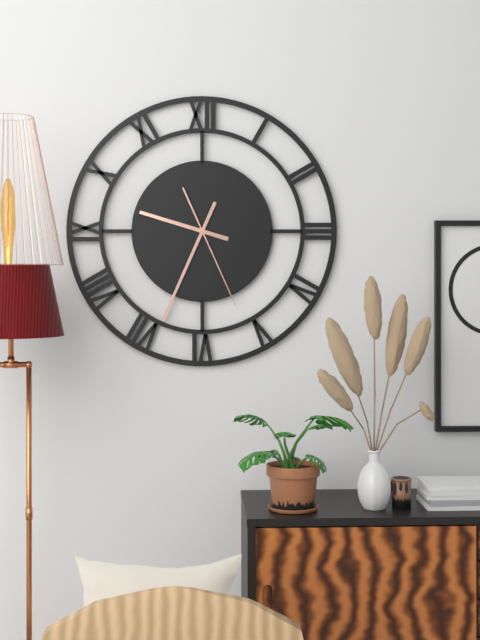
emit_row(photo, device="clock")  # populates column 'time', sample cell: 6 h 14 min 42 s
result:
9 h 34 min 26 s
